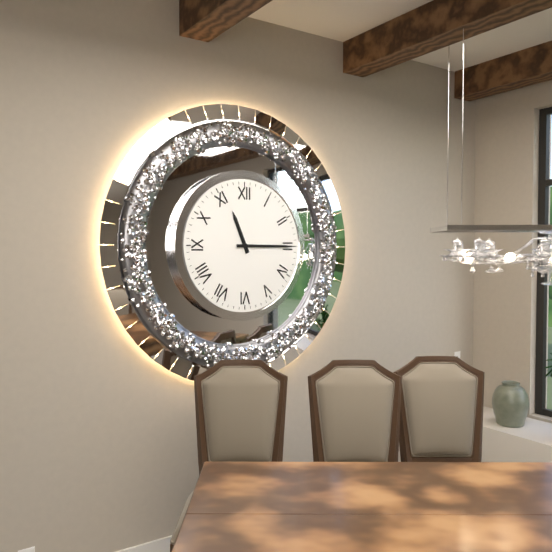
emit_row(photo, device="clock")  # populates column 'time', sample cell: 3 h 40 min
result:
11 h 15 min
